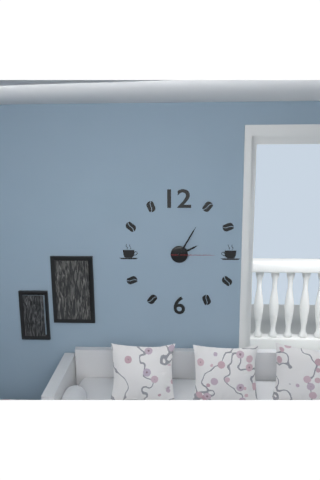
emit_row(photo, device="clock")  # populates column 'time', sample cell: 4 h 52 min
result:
2 h 05 min
